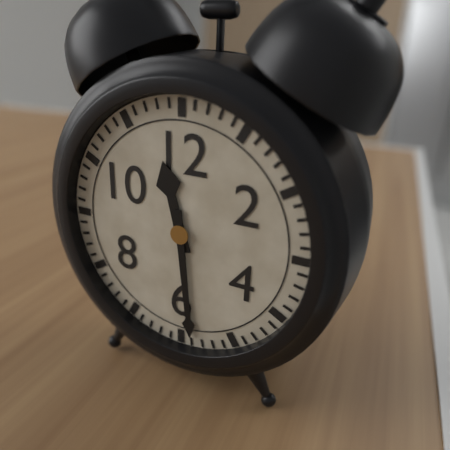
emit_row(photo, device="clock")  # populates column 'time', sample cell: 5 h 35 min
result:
11 h 29 min
